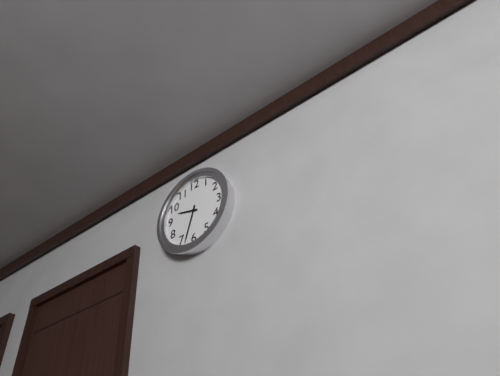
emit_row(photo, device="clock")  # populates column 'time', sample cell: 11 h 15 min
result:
9 h 33 min
